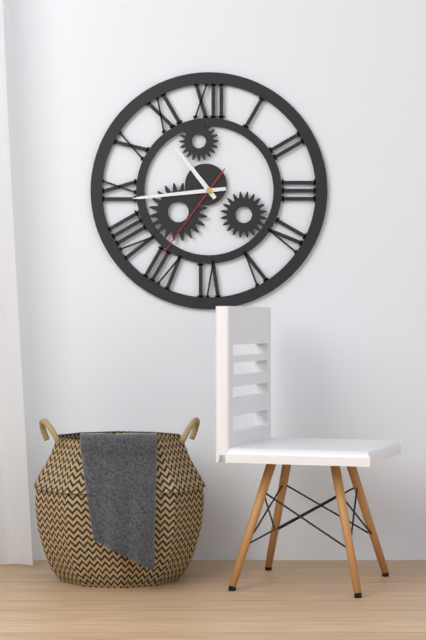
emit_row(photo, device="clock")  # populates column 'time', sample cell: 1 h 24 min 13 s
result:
10 h 44 min 36 s
